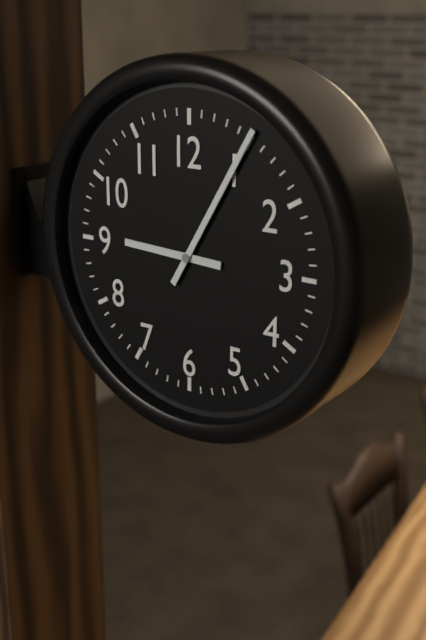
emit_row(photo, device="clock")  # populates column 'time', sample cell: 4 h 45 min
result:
9 h 05 min
